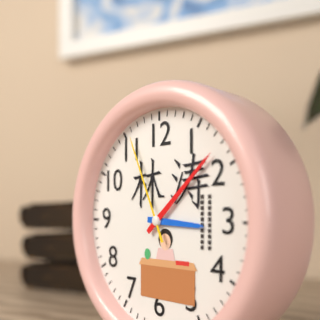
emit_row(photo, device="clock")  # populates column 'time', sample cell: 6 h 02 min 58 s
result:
3 h 08 min 56 s
